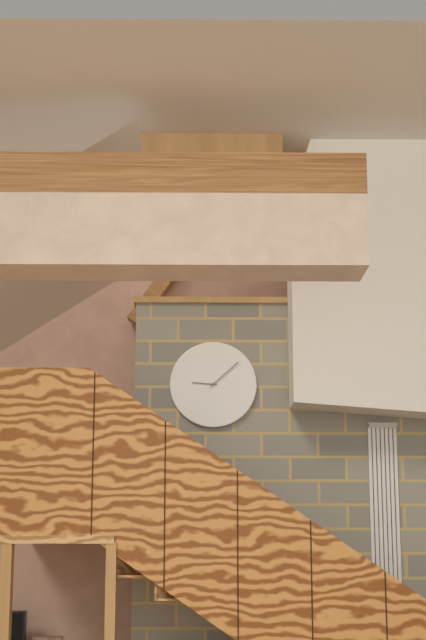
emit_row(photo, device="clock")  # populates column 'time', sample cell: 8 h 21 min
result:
9 h 08 min
